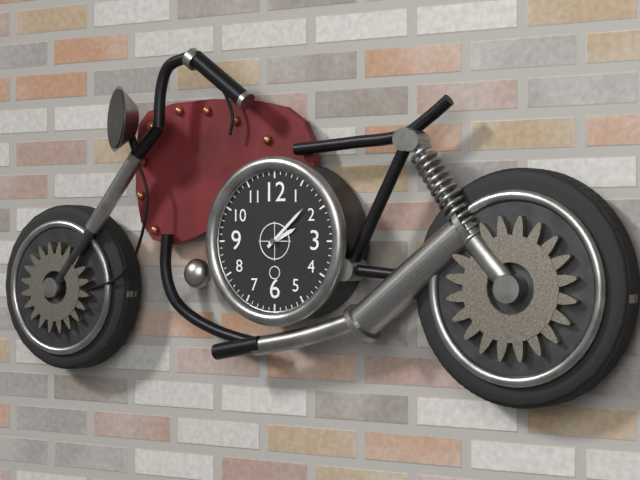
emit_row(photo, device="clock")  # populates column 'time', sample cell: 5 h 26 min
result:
2 h 08 min
